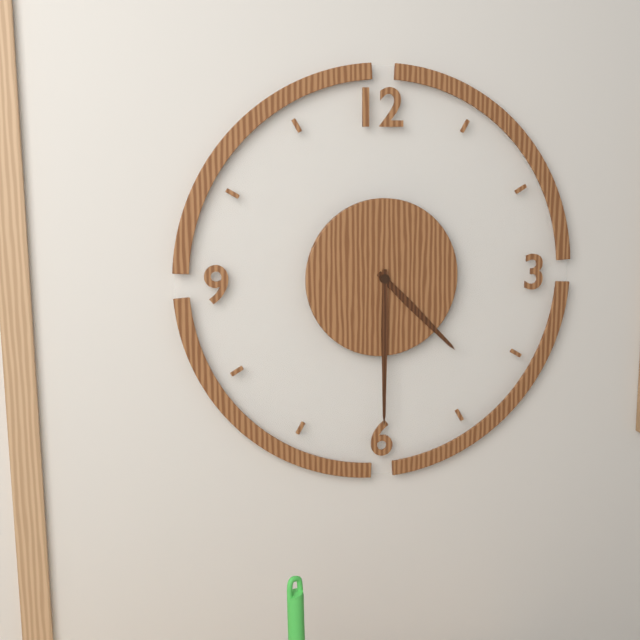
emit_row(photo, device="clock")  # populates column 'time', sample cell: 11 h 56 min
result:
4 h 30 min
